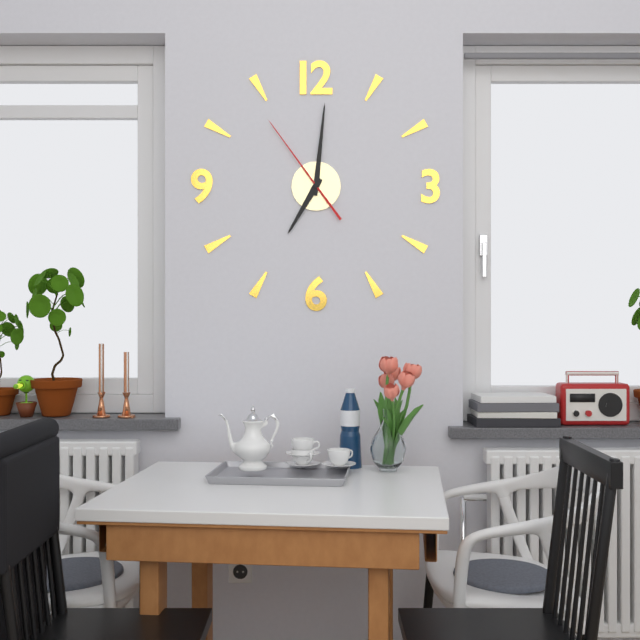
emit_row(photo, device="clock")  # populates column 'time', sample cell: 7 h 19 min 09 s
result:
7 h 01 min 54 s
